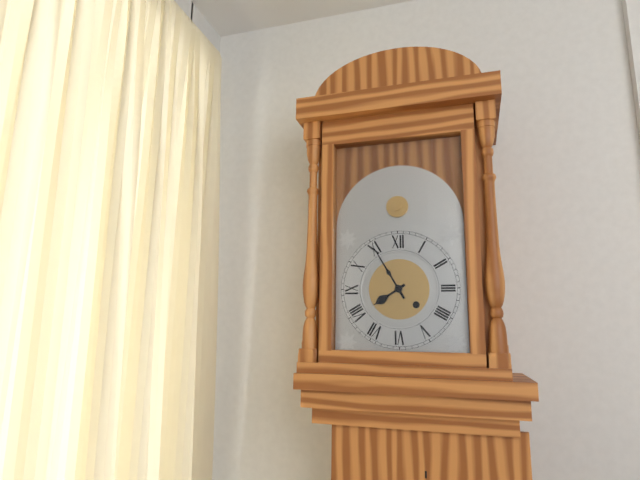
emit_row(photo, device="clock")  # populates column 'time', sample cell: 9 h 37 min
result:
7 h 55 min
